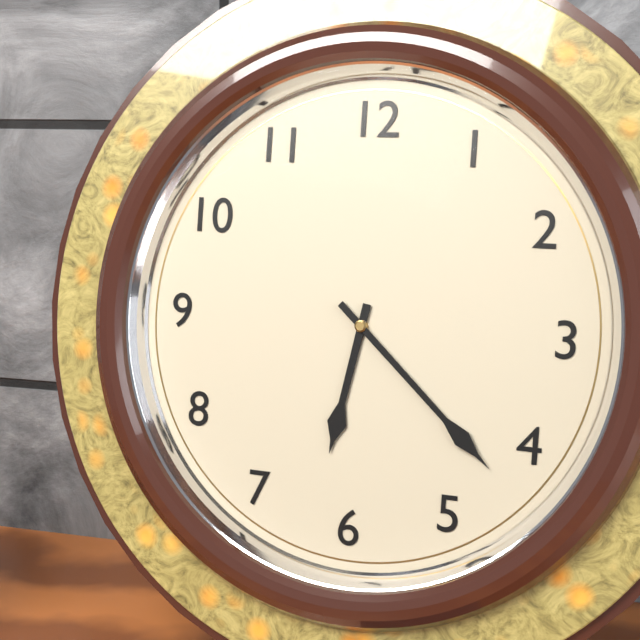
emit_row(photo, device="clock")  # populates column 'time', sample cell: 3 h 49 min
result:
6 h 22 min
